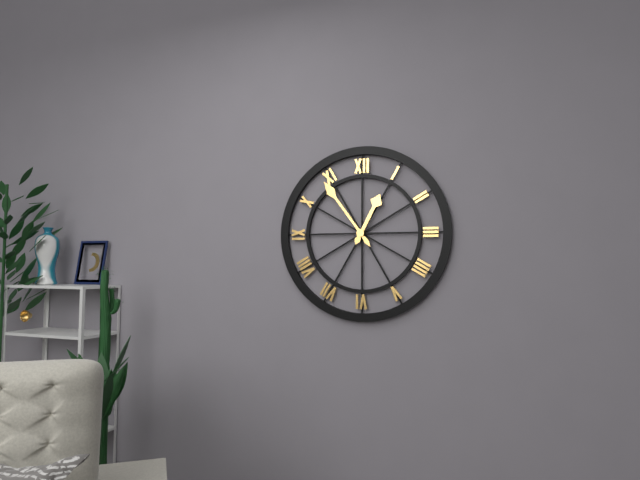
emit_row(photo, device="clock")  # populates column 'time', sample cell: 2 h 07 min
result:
12 h 54 min
